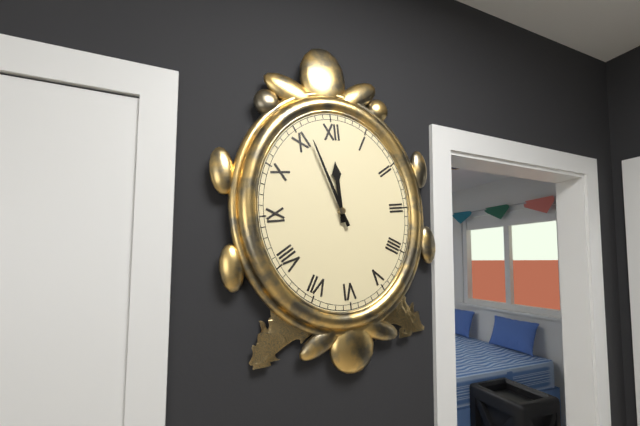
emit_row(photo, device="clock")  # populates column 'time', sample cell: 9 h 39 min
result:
11 h 57 min
